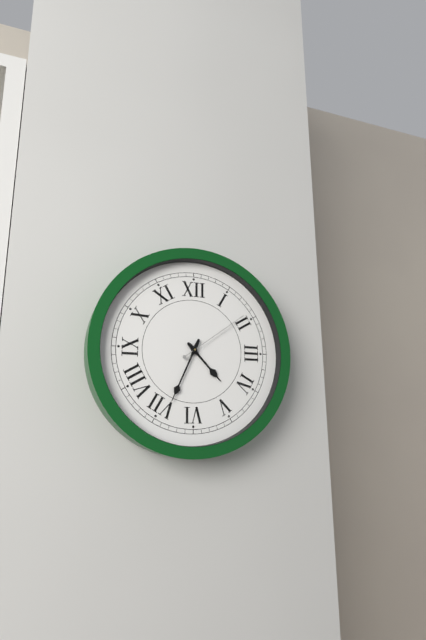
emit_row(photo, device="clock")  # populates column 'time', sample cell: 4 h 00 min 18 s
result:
4 h 34 min 09 s
